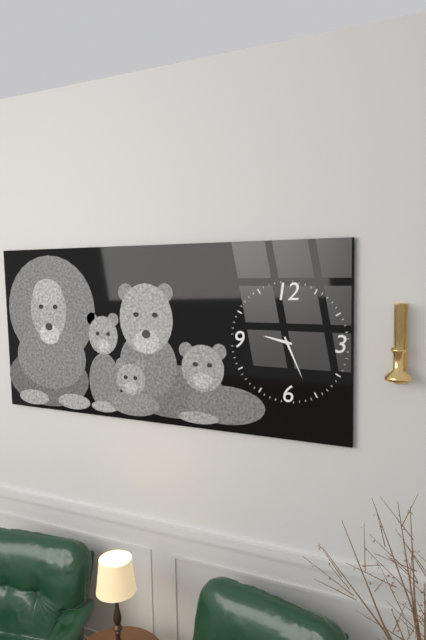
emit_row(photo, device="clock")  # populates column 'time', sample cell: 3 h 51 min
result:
9 h 26 min
